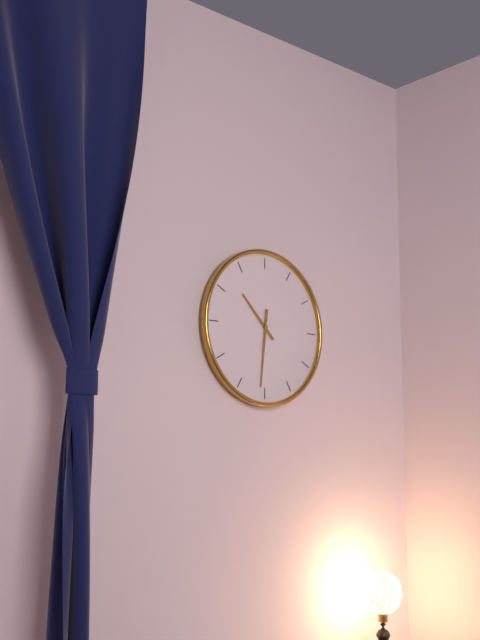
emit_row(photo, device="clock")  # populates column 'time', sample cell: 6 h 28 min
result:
10 h 31 min
